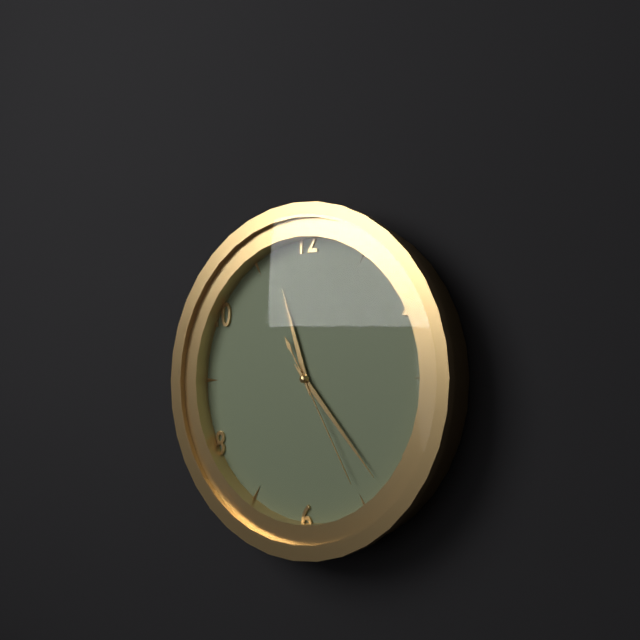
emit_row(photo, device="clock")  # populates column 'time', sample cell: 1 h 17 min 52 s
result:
11 h 23 min 25 s
